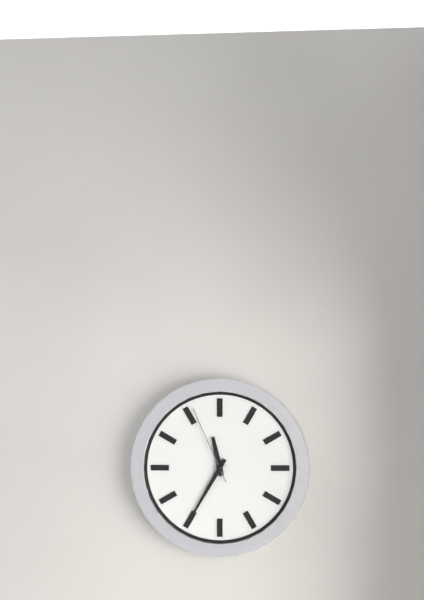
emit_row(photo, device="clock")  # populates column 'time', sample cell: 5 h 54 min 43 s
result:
11 h 35 min 56 s
